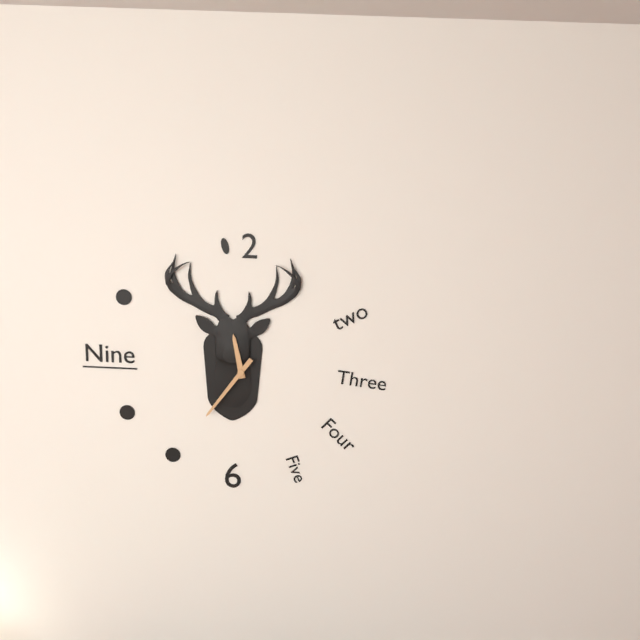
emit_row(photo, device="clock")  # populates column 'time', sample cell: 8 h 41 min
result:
11 h 36 min
